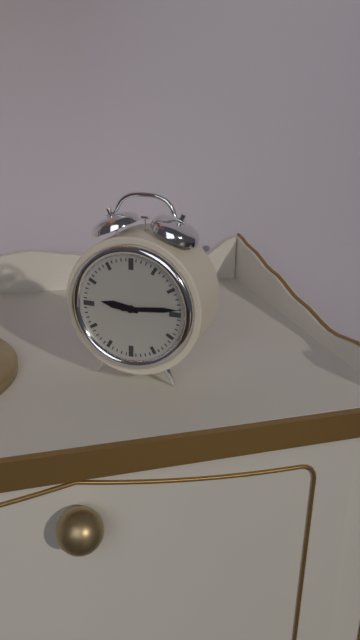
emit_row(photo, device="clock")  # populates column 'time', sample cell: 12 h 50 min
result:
9 h 14 min
